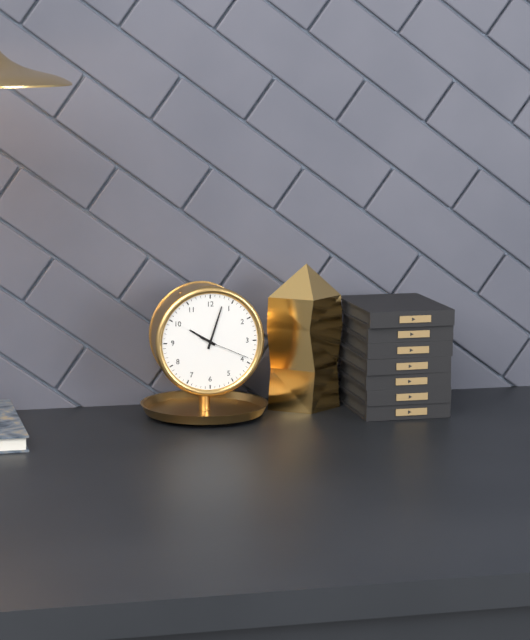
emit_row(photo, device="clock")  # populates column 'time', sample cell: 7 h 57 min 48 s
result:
10 h 03 min 19 s
